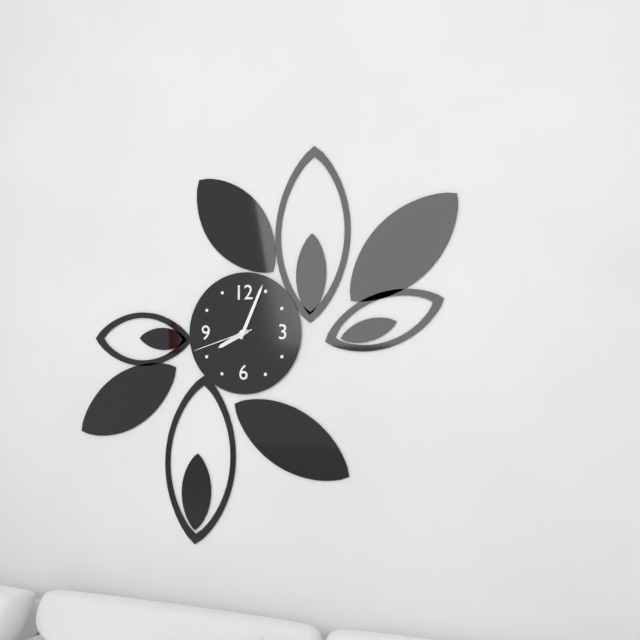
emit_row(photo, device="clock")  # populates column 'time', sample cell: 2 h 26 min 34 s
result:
8 h 04 min 42 s
